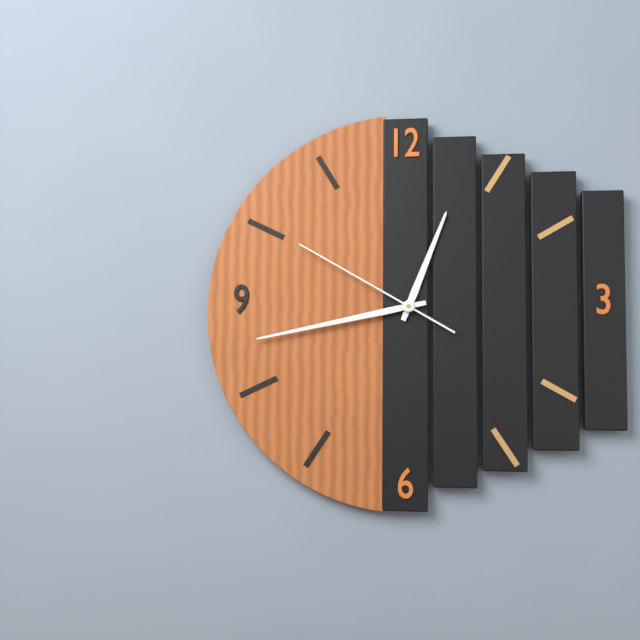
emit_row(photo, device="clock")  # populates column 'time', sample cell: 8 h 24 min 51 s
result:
12 h 43 min 50 s
